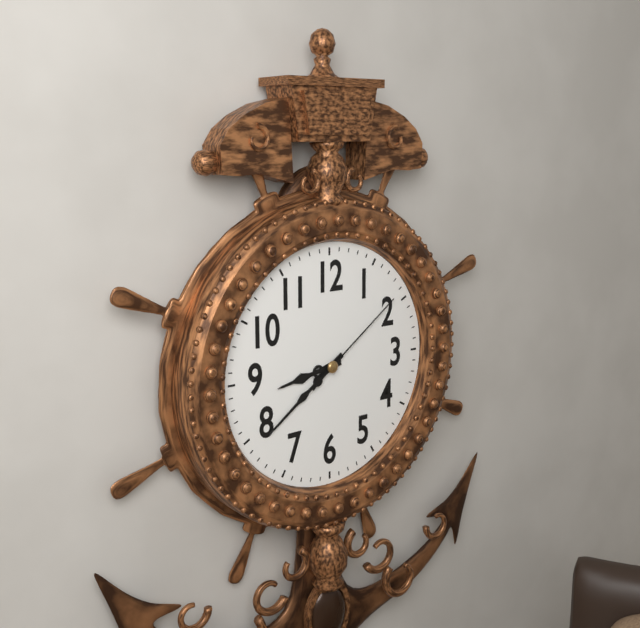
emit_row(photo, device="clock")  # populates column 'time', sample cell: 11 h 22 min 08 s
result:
8 h 39 min 09 s
